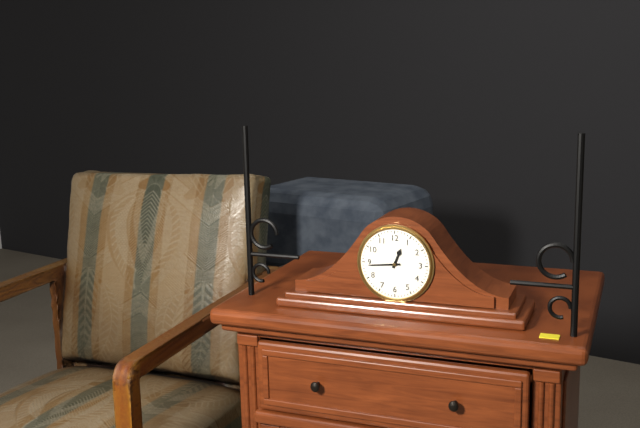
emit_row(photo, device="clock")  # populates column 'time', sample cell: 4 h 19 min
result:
12 h 44 min
